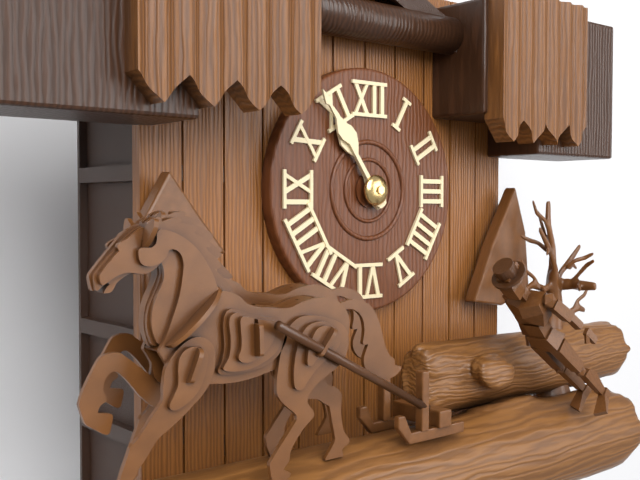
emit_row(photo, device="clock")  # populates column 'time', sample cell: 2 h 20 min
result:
10 h 54 min
